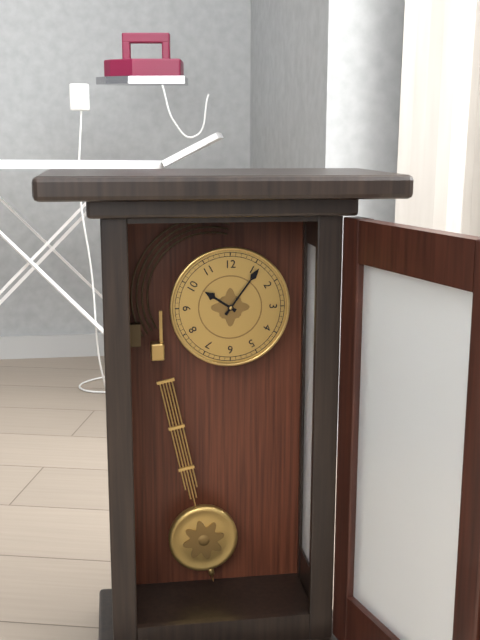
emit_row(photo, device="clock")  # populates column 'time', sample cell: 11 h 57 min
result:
10 h 06 min
